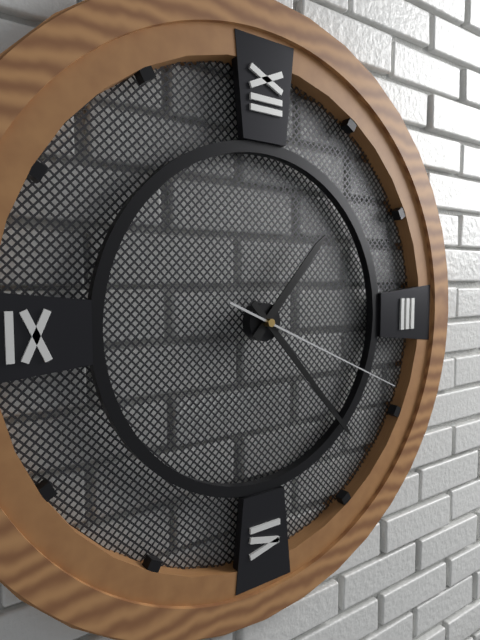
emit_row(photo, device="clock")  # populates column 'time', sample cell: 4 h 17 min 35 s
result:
1 h 23 min 19 s
